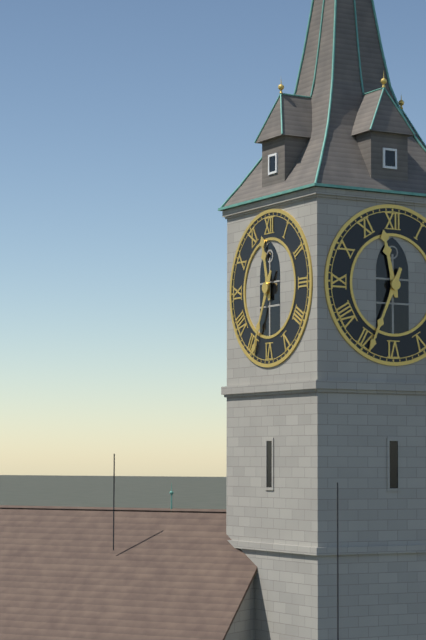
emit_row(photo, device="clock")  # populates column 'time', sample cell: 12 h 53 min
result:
11 h 34 min
